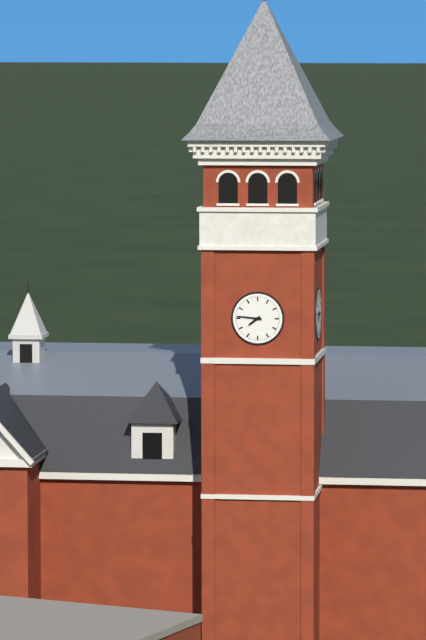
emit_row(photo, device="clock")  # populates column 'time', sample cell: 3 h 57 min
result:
7 h 46 min
